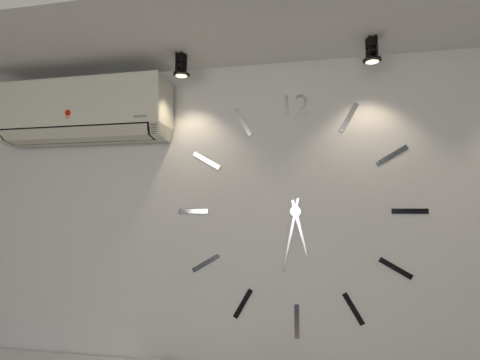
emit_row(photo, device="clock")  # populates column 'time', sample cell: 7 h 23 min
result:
5 h 32 min
